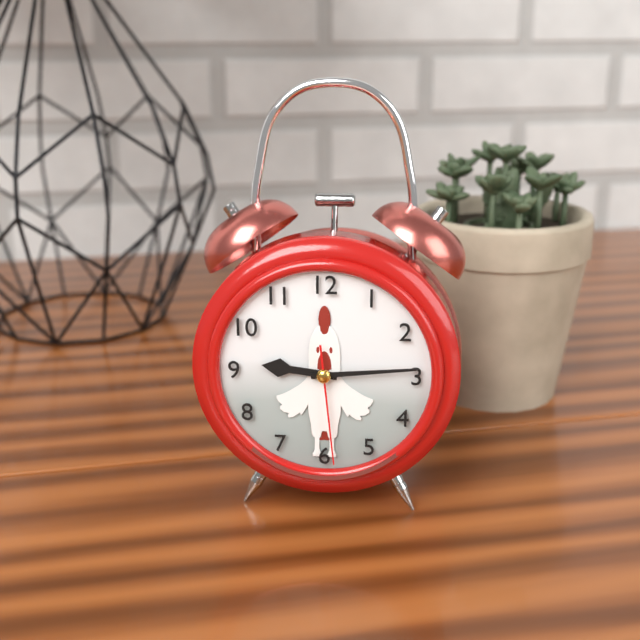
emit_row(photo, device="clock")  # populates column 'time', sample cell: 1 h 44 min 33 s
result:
9 h 14 min 29 s
